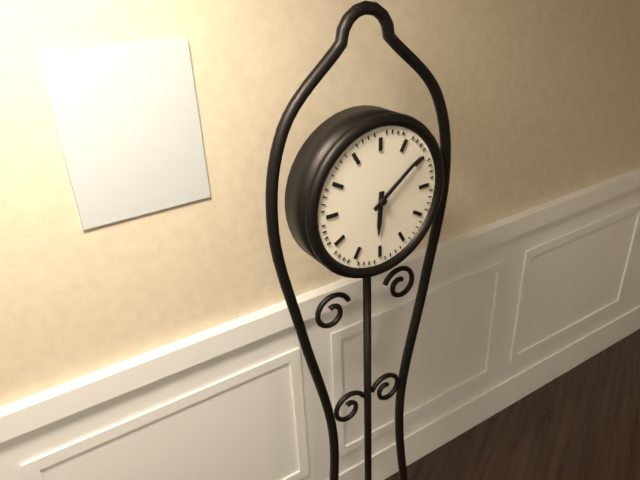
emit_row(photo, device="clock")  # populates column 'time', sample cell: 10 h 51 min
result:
6 h 09 min
